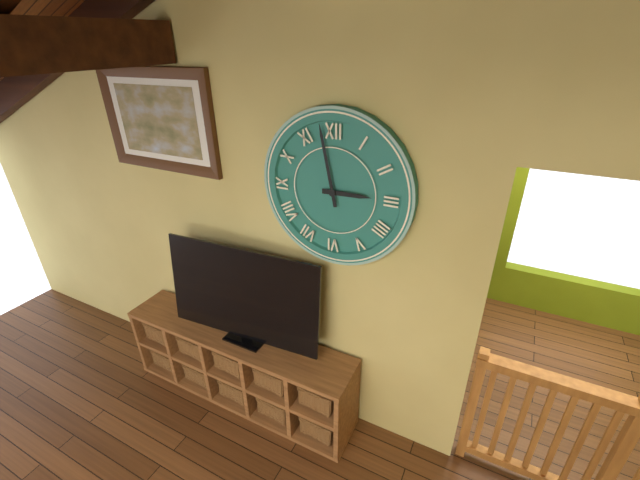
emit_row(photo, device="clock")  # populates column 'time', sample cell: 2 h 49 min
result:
2 h 58 min
